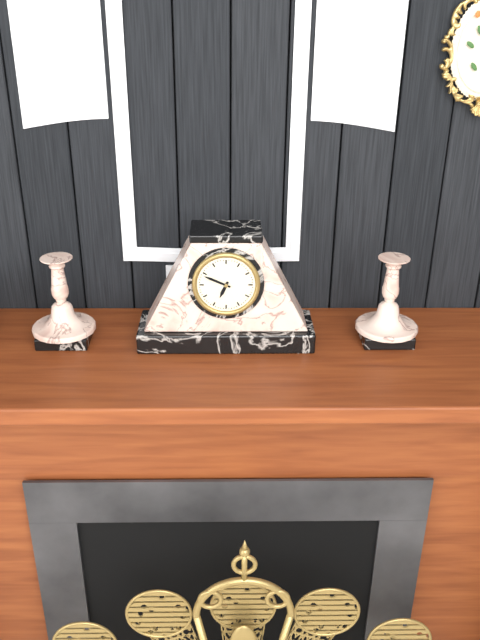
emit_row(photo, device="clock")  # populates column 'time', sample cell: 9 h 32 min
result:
6 h 49 min
